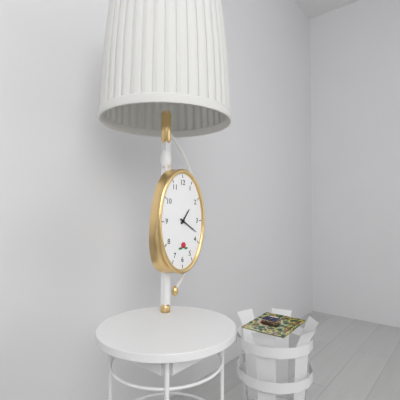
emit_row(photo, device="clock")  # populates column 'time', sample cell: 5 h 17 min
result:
1 h 20 min
